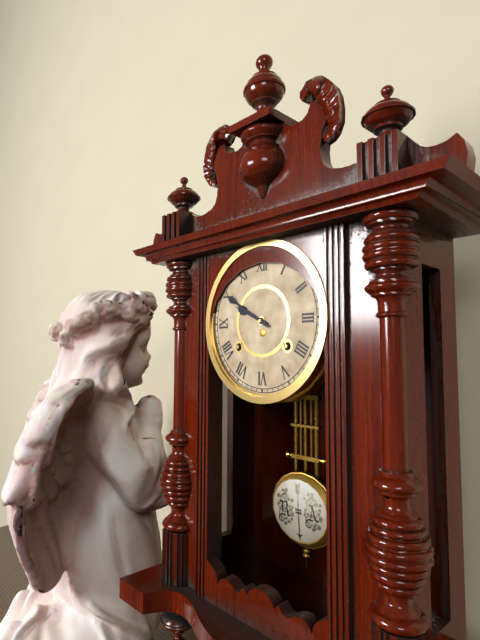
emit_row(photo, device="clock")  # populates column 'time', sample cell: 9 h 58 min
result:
9 h 50 min
